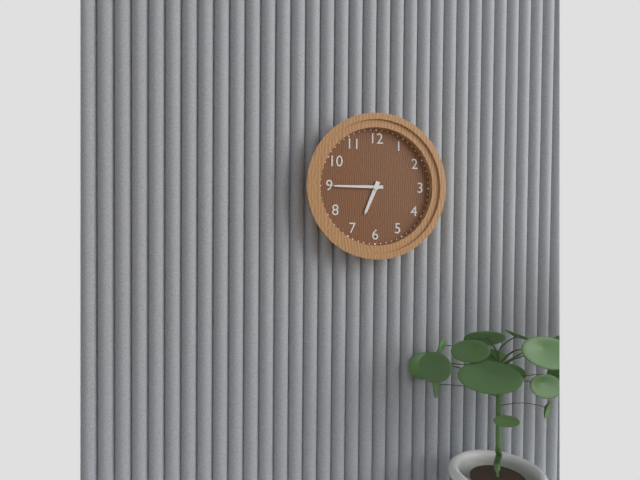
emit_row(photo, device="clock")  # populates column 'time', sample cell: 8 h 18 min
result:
6 h 45 min
